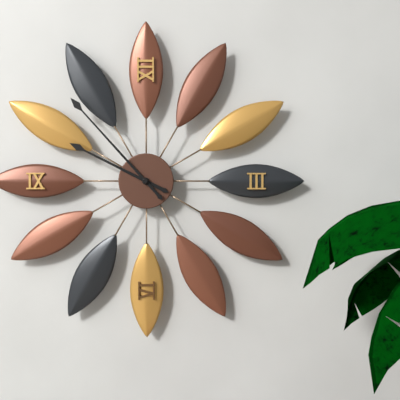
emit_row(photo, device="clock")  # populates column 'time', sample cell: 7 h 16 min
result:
9 h 53 min
